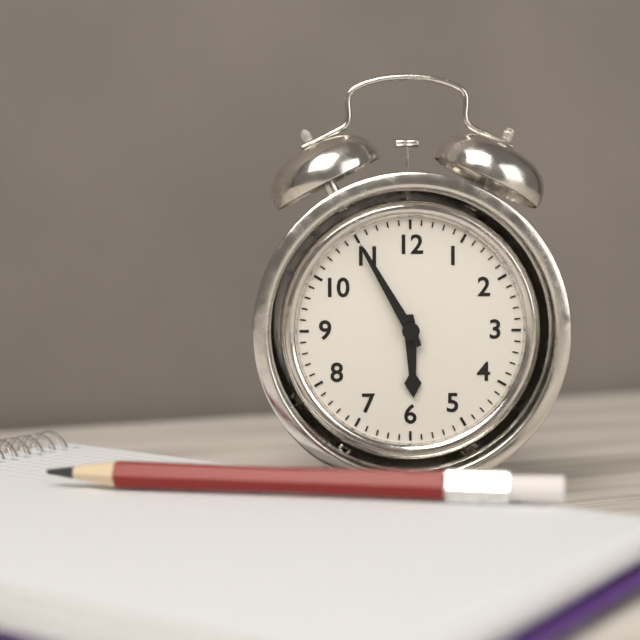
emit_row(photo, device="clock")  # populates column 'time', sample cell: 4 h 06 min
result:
5 h 55 min
